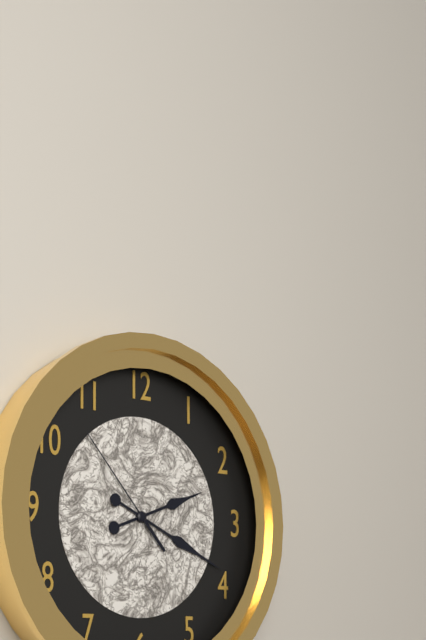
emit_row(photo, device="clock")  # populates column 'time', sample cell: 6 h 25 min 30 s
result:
2 h 19 min 53 s
